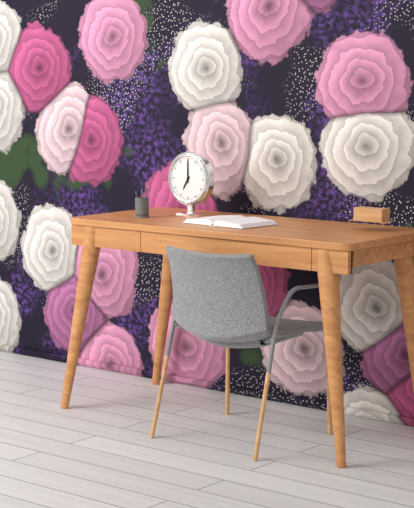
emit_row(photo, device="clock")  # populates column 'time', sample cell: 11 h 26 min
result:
7 h 00 min
